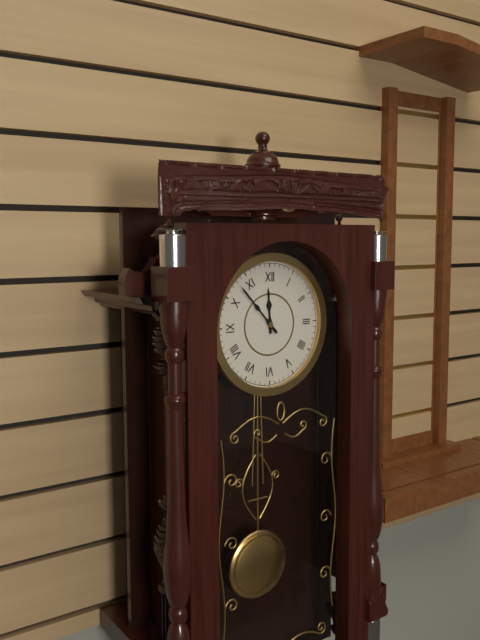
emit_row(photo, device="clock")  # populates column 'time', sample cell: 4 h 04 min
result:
11 h 53 min
